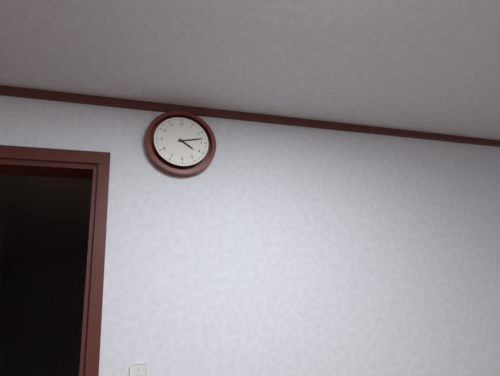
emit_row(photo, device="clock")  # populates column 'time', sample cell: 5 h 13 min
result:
4 h 13 min
